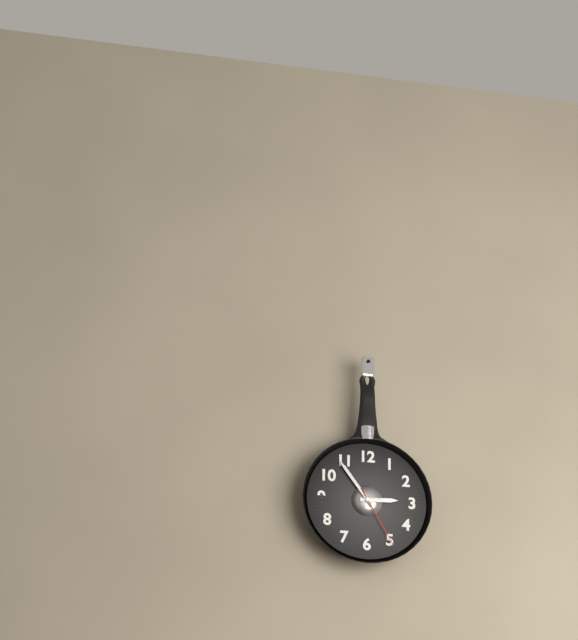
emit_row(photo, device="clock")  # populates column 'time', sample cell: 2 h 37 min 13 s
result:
2 h 54 min 25 s
